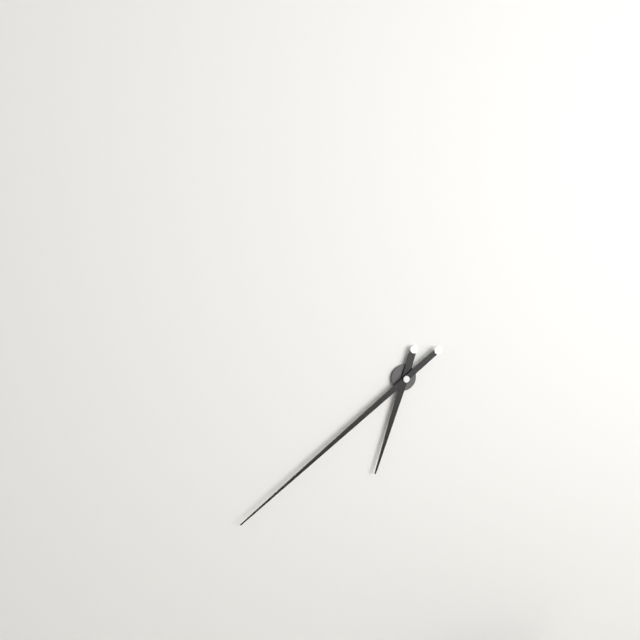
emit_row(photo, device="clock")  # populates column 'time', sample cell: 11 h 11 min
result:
6 h 39 min
